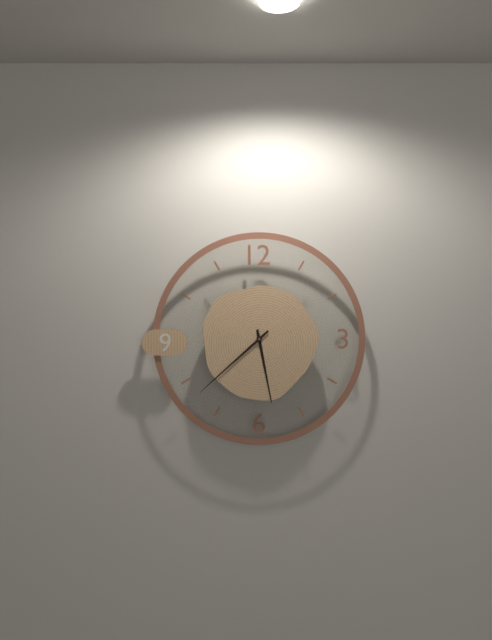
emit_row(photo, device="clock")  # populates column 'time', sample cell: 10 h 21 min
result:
5 h 38 min
